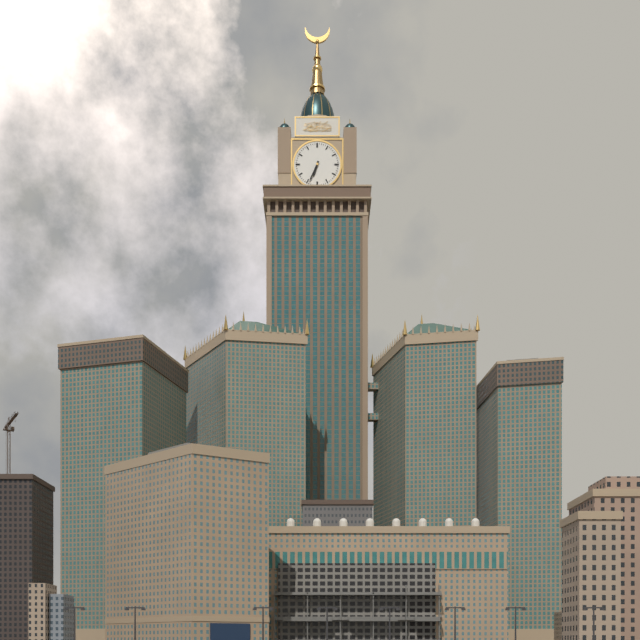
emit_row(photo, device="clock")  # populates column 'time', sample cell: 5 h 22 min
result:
6 h 34 min
